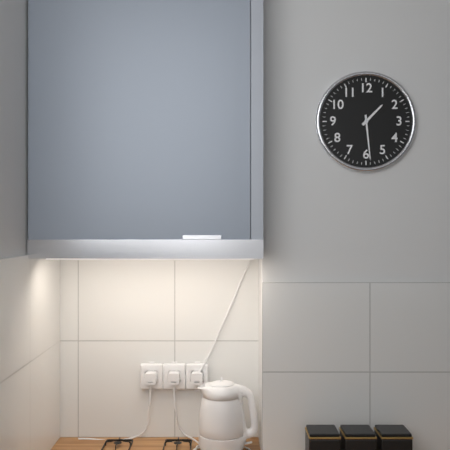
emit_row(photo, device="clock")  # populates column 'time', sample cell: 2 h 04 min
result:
1 h 29 min
